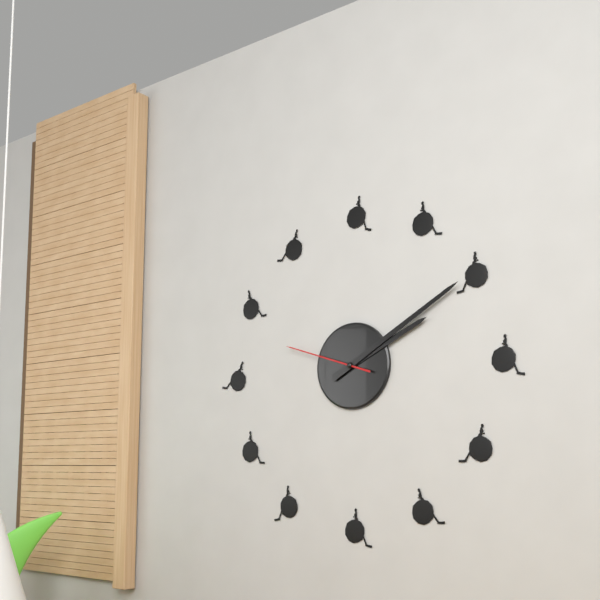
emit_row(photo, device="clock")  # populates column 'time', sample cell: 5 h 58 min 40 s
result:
2 h 10 min 48 s
